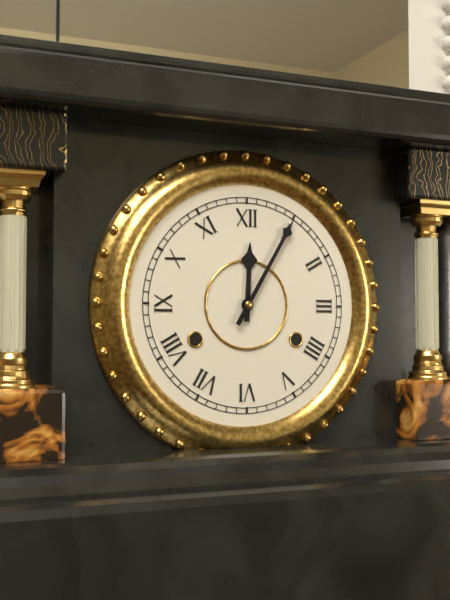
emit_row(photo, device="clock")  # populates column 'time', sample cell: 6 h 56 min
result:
12 h 05 min
